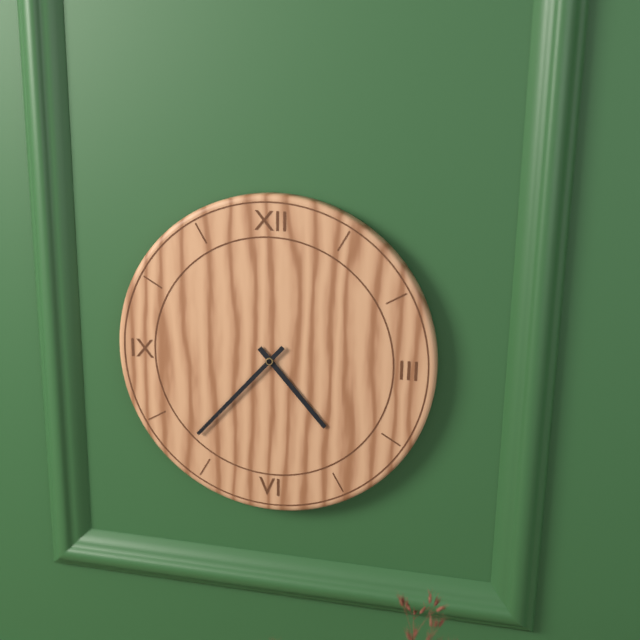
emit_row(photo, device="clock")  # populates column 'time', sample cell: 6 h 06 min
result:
4 h 37 min
